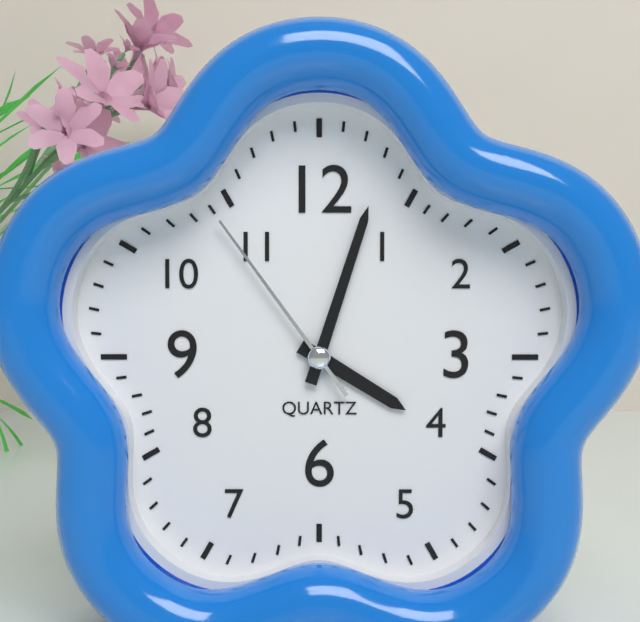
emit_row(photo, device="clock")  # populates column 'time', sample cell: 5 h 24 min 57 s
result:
4 h 03 min 54 s
